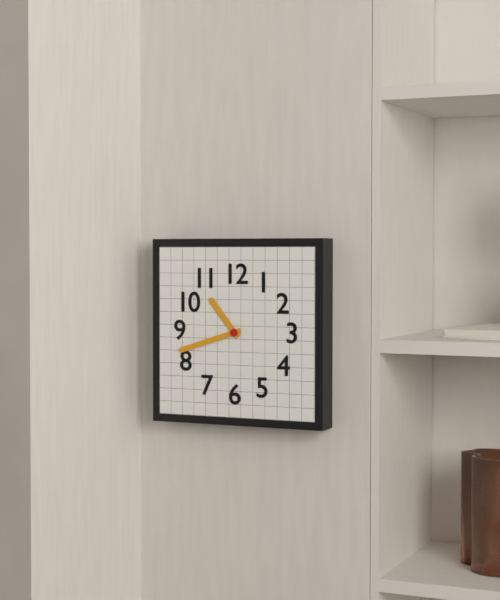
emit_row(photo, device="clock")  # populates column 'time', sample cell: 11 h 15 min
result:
10 h 42 min
